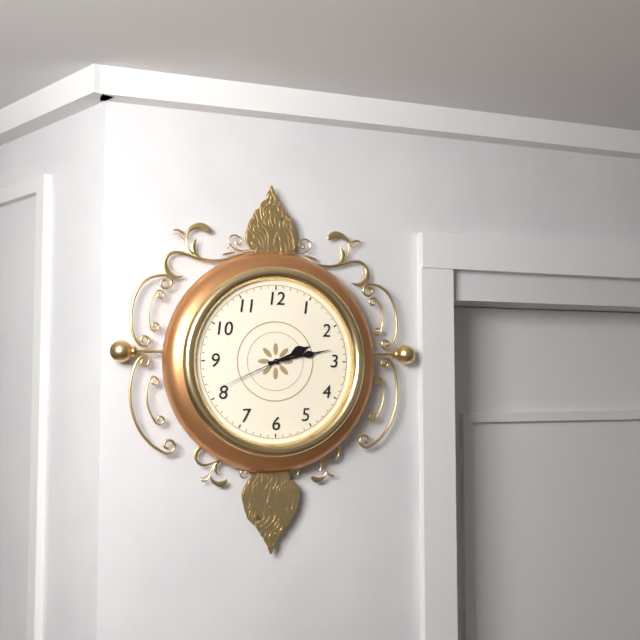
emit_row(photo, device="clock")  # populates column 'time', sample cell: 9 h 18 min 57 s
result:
2 h 13 min 41 s
